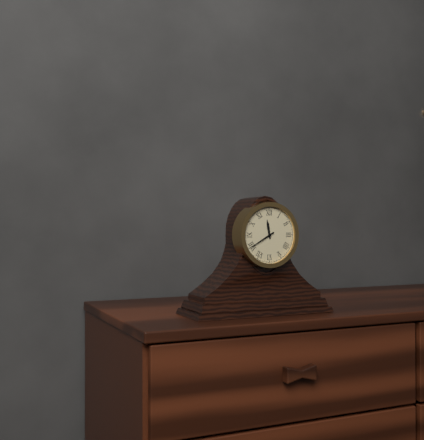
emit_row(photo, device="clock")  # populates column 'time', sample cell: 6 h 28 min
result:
11 h 40 min
